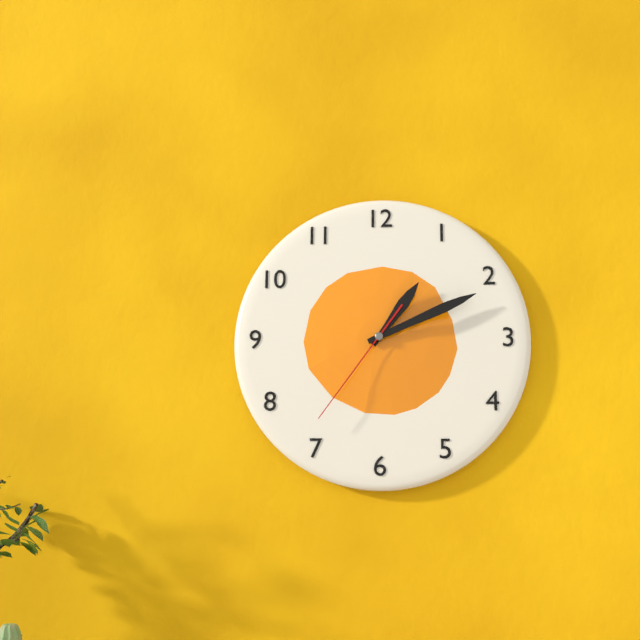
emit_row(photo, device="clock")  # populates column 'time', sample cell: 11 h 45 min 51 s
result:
1 h 11 min 36 s
